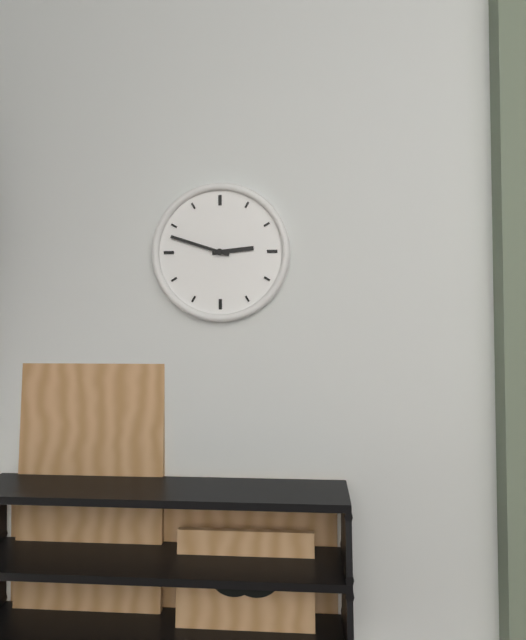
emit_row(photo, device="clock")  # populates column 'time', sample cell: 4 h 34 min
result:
2 h 48 min
